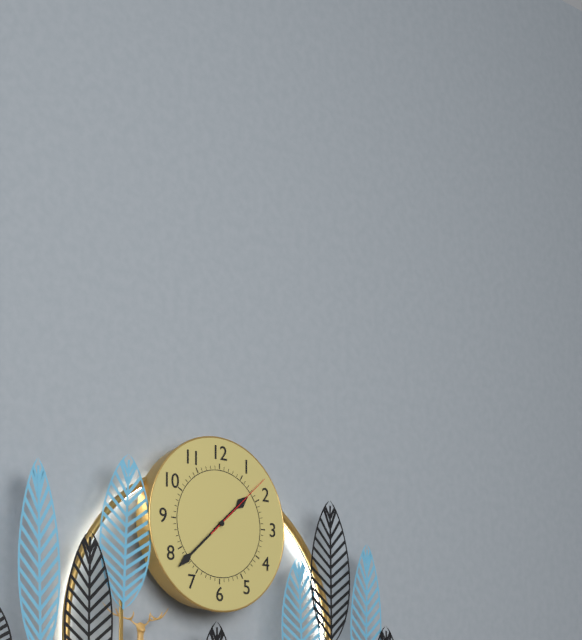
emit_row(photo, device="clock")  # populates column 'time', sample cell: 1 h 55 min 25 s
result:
1 h 38 min 08 s
